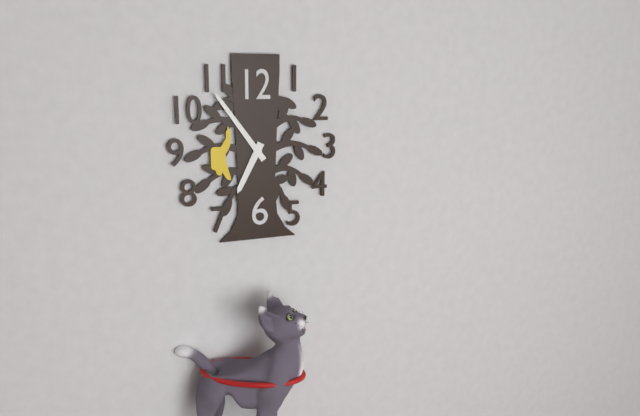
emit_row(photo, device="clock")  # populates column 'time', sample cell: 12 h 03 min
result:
6 h 54 min
